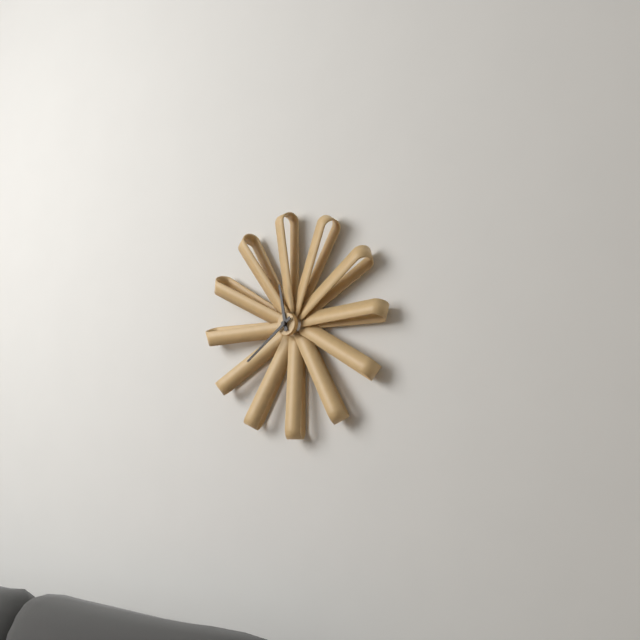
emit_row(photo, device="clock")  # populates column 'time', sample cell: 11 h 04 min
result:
11 h 39 min
